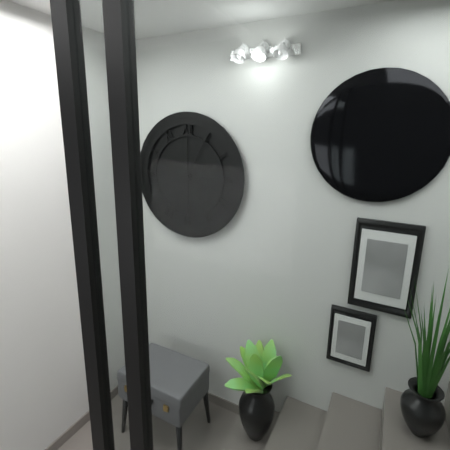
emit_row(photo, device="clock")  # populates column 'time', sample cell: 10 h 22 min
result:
9 h 05 min
